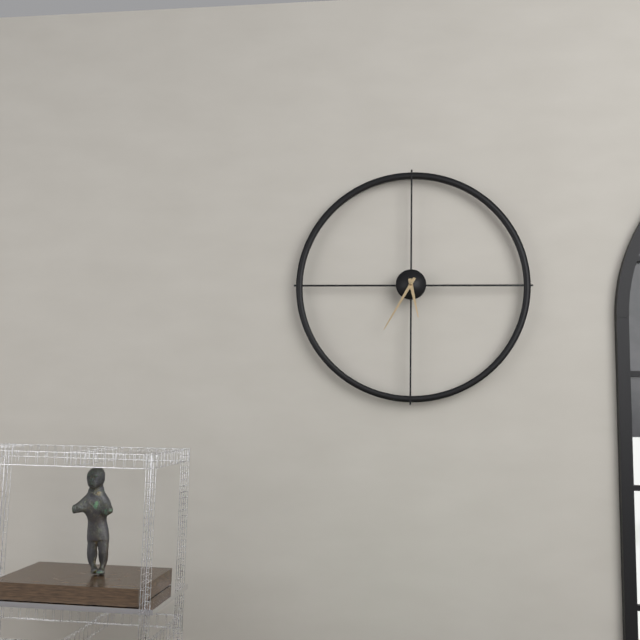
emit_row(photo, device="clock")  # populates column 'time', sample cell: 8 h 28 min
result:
5 h 35 min
